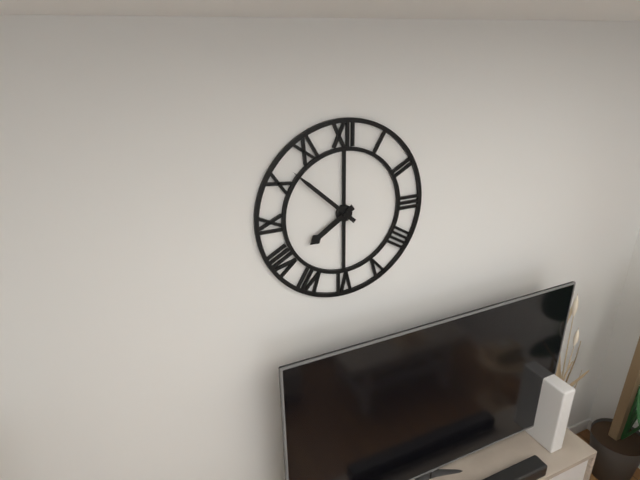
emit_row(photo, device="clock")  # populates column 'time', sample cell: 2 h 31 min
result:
7 h 52 min
